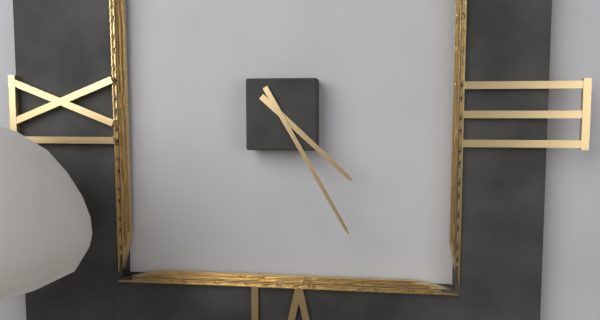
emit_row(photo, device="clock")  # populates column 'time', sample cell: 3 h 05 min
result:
4 h 25 min
